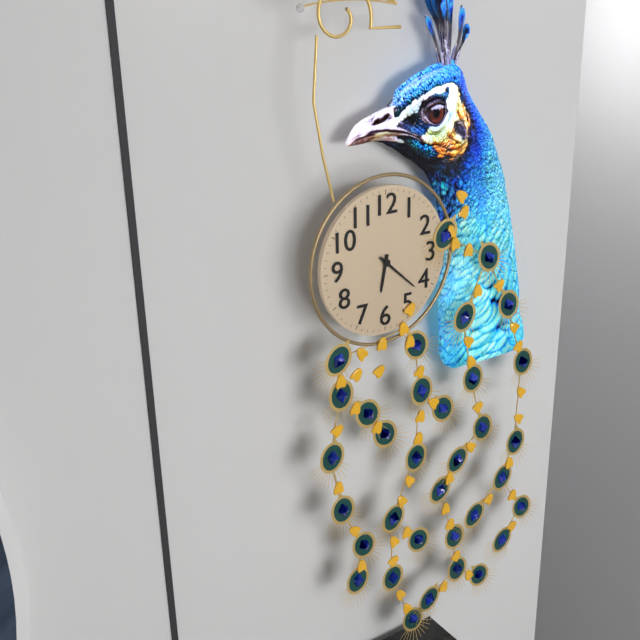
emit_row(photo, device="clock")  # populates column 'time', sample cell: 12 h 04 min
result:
6 h 22 min
